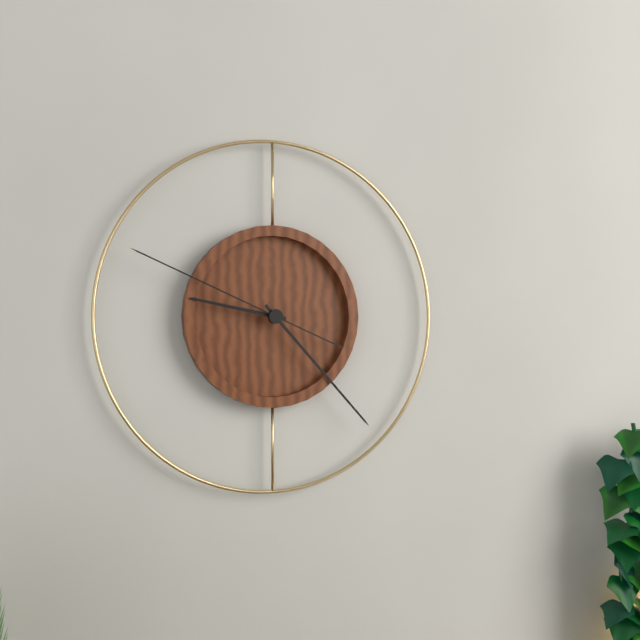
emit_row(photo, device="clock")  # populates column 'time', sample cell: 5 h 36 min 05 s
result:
9 h 23 min 49 s
